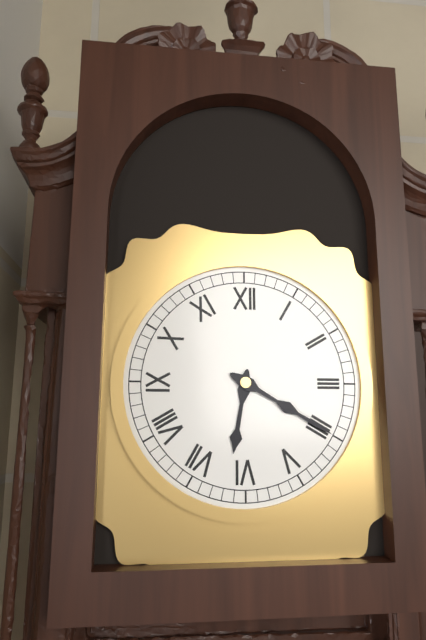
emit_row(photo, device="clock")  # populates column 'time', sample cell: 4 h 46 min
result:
6 h 20 min
